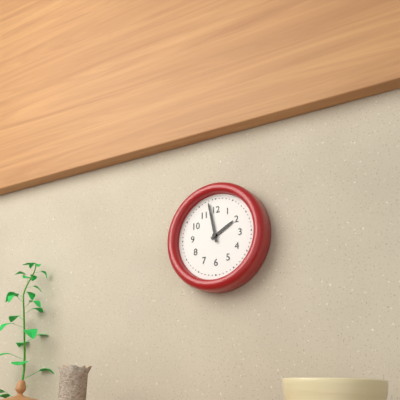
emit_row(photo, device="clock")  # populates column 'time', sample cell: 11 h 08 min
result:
1 h 58 min
